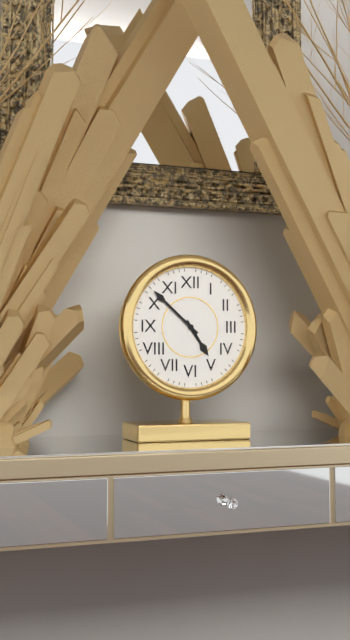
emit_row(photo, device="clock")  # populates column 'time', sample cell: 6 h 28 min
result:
4 h 52 min
